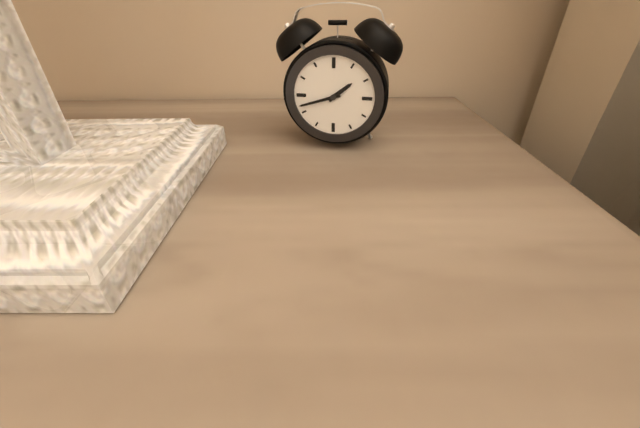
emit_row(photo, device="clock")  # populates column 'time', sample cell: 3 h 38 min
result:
1 h 42 min
